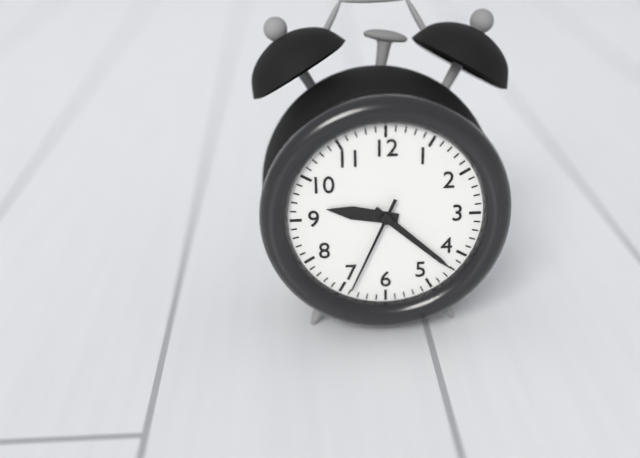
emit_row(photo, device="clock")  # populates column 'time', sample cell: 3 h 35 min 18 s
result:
9 h 22 min 34 s
